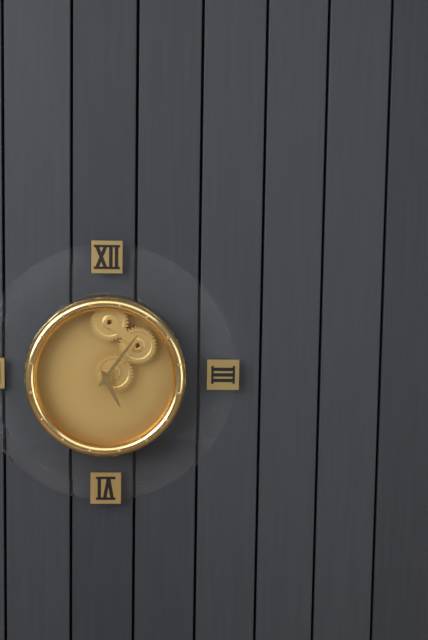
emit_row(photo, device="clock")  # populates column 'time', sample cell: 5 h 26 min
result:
5 h 06 min
